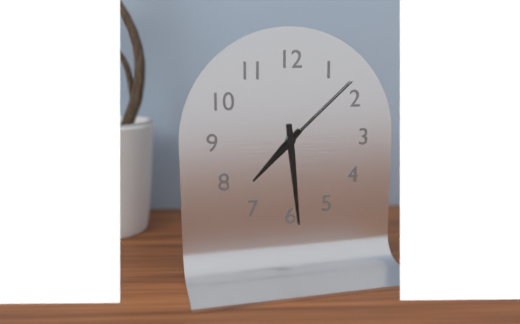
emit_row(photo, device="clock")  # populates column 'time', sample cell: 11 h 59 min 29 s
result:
7 h 29 min 08 s
